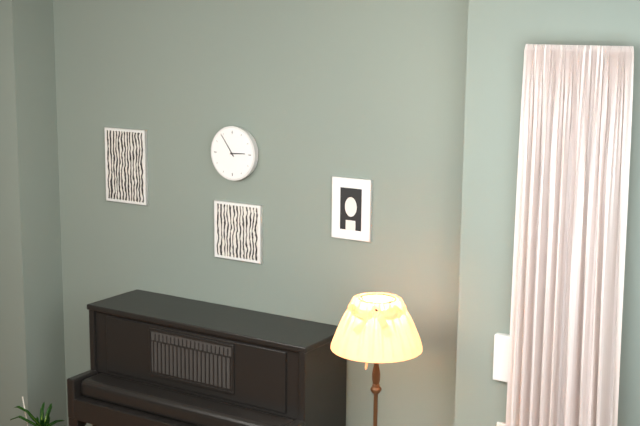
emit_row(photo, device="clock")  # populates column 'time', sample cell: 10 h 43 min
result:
2 h 54 min
